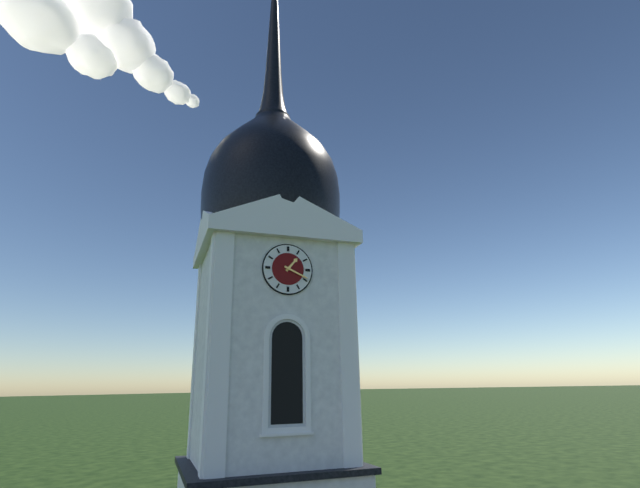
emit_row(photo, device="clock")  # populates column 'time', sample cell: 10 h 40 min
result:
1 h 19 min
